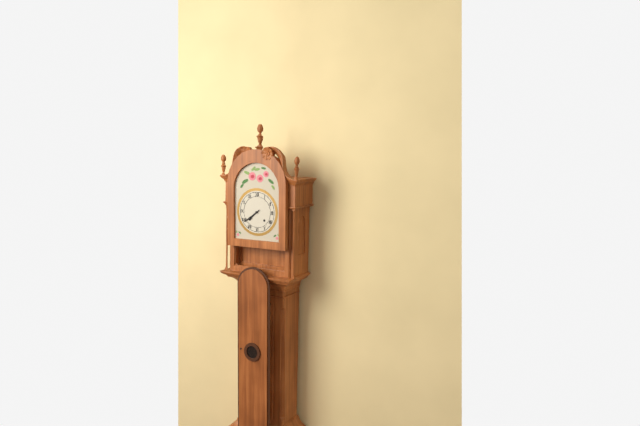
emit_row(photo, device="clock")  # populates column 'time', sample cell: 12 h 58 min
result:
7 h 39 min
